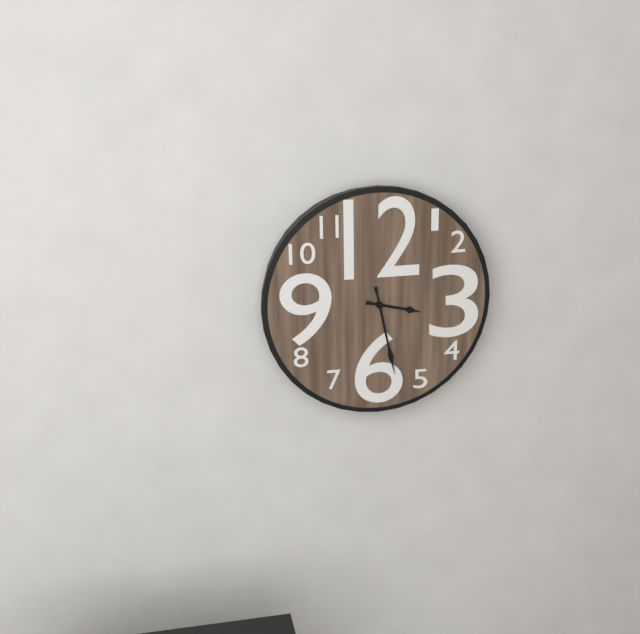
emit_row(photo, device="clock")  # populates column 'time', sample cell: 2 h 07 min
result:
3 h 28 min
